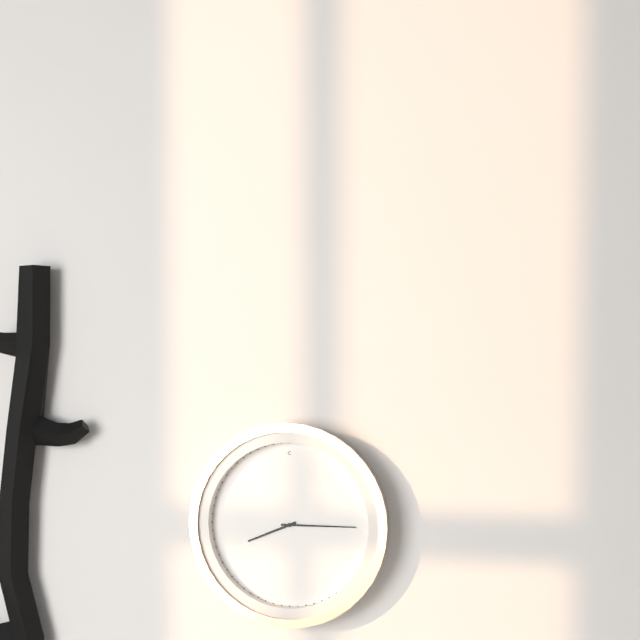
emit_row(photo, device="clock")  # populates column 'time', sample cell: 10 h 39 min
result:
8 h 15 min
